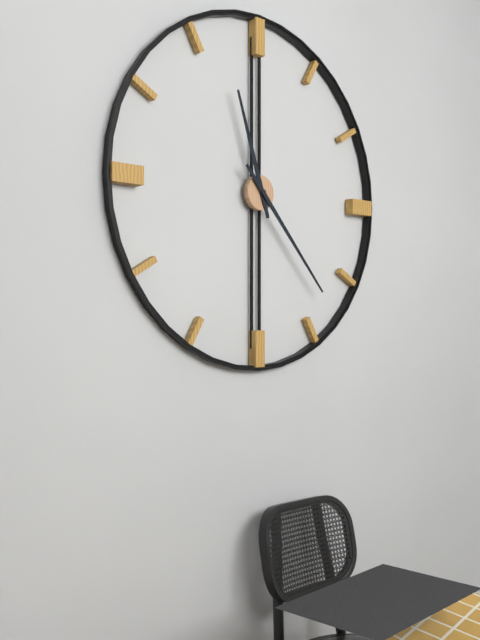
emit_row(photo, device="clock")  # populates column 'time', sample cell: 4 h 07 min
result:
11 h 23 min
